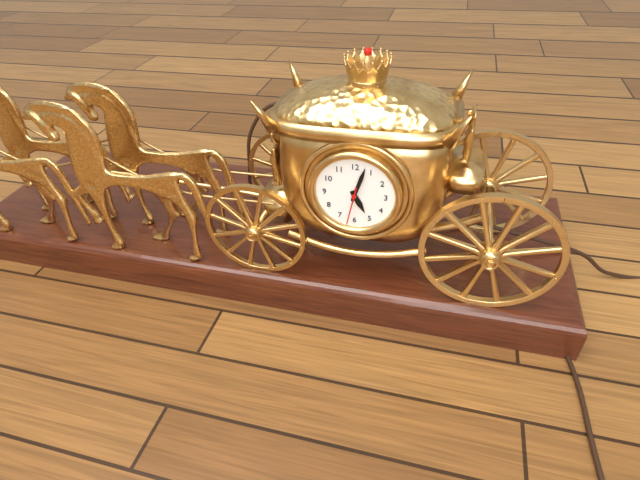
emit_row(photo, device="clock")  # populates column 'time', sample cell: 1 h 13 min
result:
5 h 03 min
